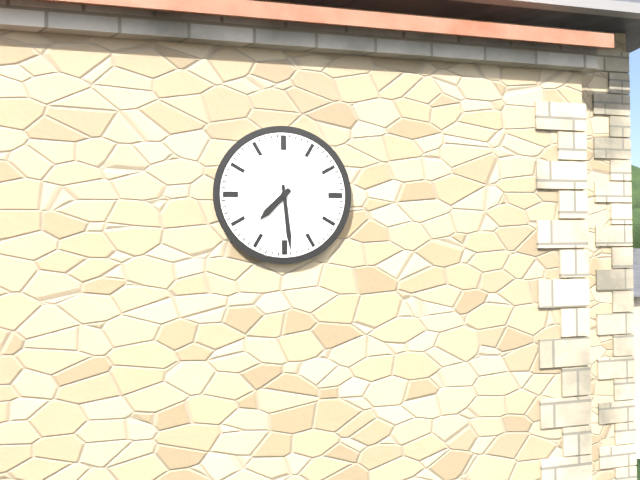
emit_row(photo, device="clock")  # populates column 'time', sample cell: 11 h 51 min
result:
7 h 29 min
